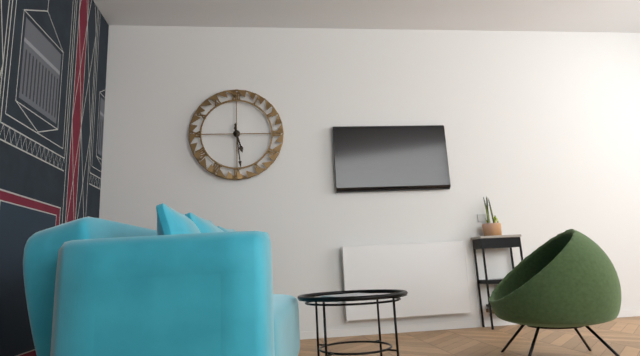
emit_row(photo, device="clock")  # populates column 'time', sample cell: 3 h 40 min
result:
5 h 29 min
